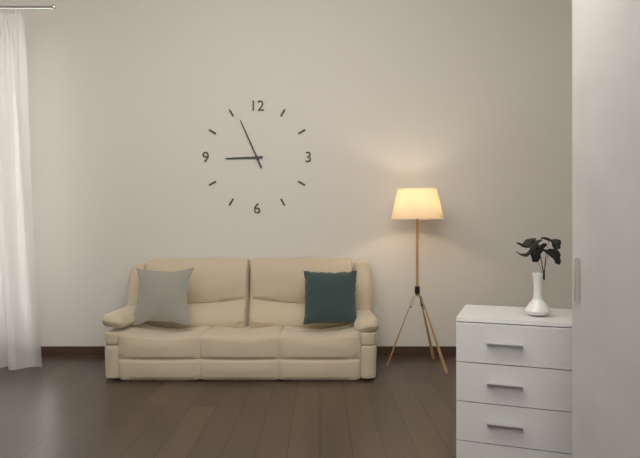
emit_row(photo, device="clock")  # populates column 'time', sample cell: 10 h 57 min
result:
8 h 56 min
